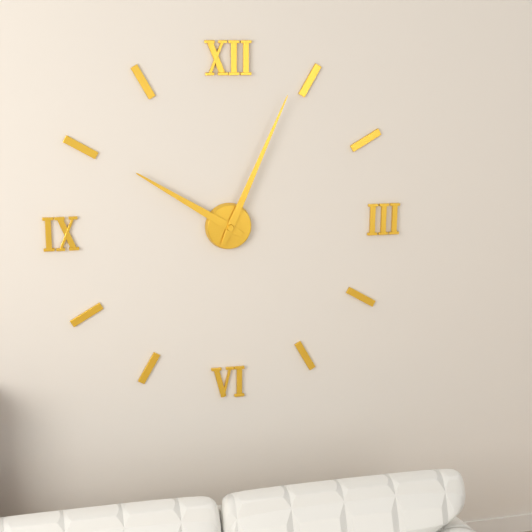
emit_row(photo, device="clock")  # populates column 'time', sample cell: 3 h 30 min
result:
10 h 04 min
